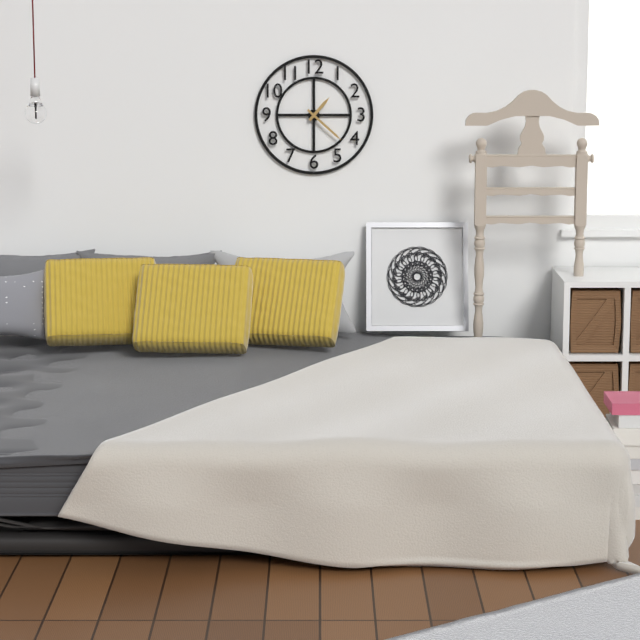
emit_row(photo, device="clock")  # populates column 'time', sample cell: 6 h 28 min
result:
1 h 22 min
